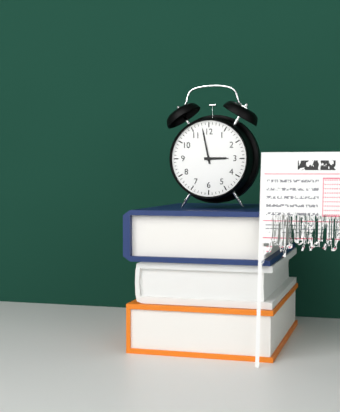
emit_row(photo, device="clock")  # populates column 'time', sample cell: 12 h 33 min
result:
2 h 58 min
